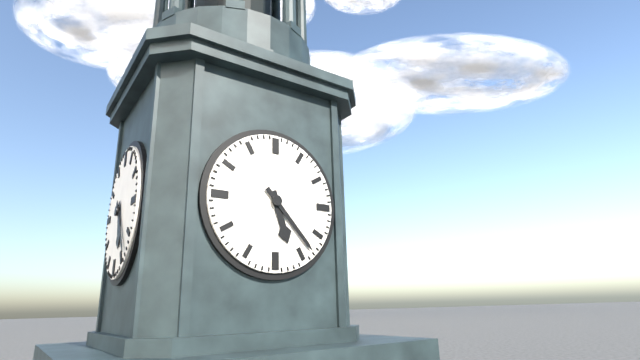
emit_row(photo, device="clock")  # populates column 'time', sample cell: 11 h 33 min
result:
5 h 23 min
